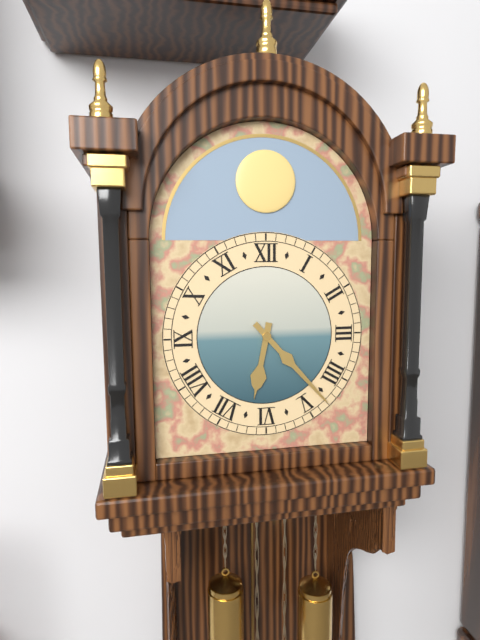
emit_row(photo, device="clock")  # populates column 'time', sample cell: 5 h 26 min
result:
6 h 23 min
